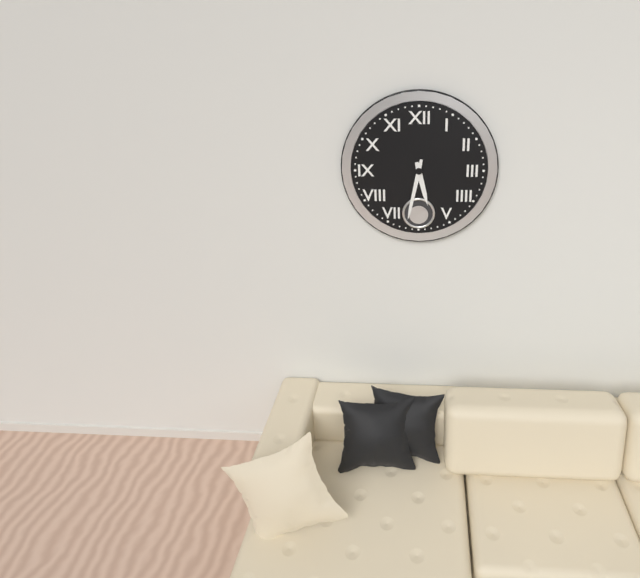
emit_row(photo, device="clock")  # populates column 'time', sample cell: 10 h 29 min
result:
5 h 32 min
